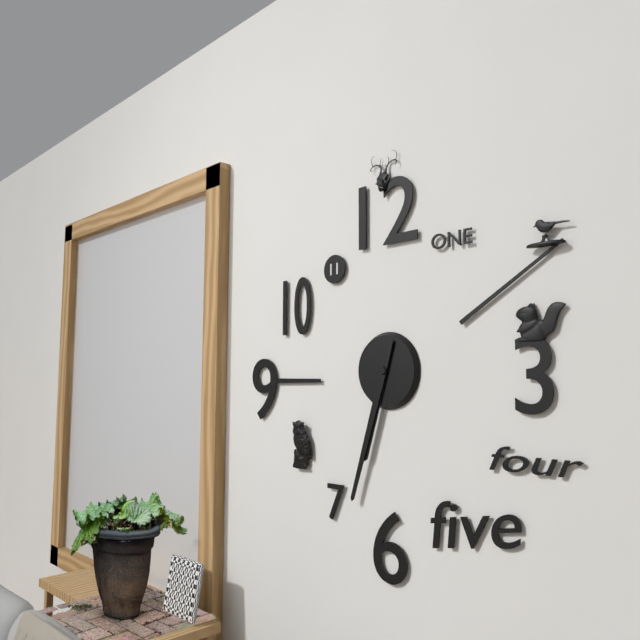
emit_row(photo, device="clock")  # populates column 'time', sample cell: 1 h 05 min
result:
6 h 33 min
